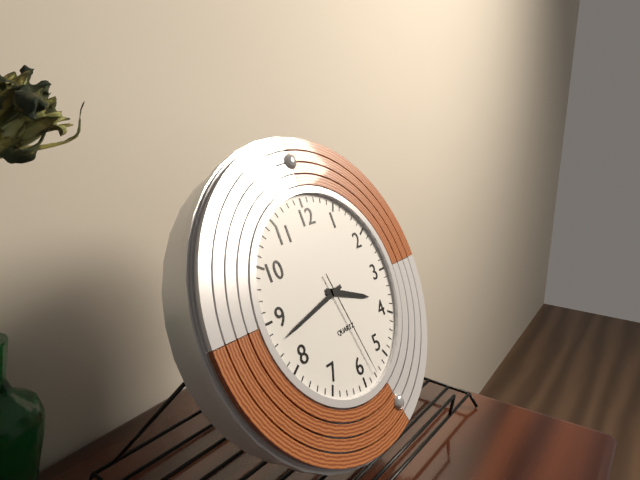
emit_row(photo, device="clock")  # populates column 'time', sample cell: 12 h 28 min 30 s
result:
3 h 43 min 28 s
